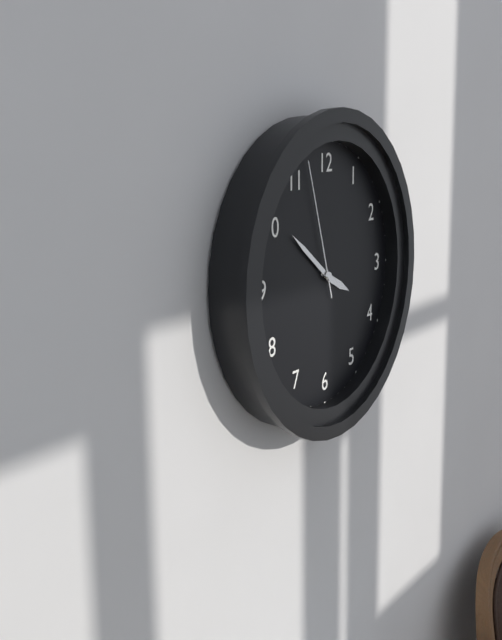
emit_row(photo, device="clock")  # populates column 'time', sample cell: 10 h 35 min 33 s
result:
3 h 51 min 57 s
